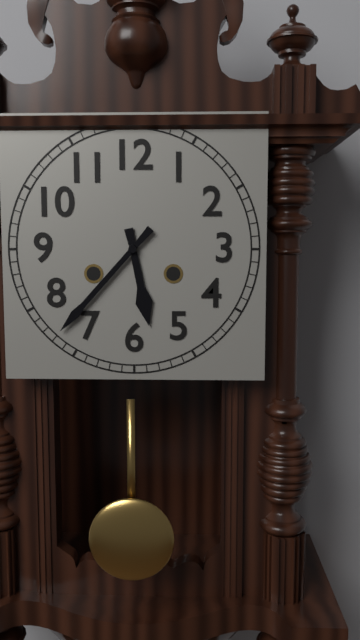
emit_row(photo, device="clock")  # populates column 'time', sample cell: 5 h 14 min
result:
5 h 37 min
